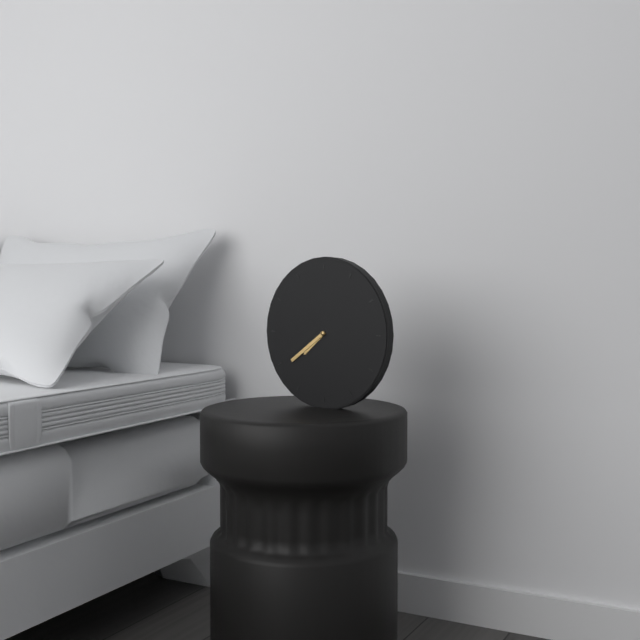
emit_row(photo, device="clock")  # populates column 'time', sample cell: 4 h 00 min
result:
7 h 39 min
